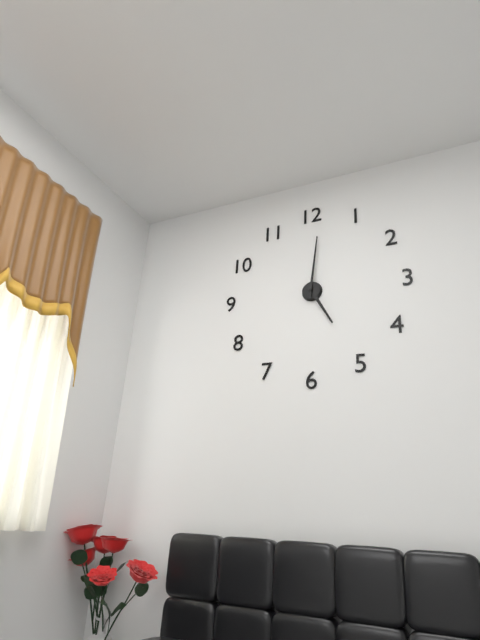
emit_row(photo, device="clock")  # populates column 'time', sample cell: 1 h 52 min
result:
5 h 01 min
